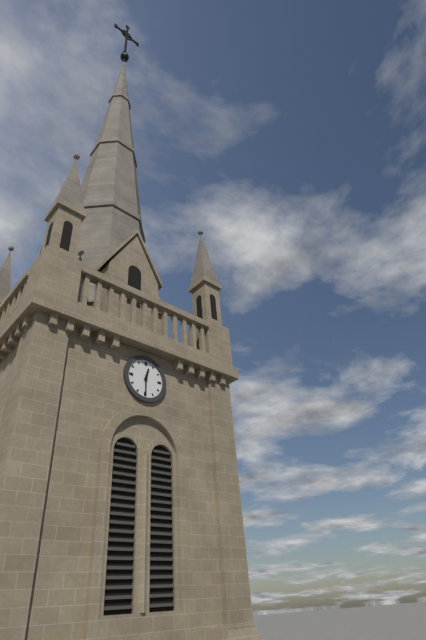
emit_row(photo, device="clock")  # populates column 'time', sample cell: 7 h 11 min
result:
12 h 30 min
